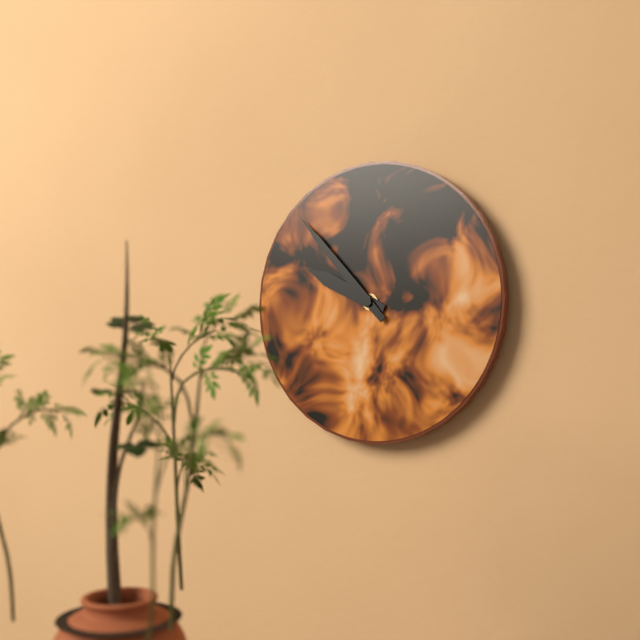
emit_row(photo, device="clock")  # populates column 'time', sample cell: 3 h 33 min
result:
9 h 53 min
